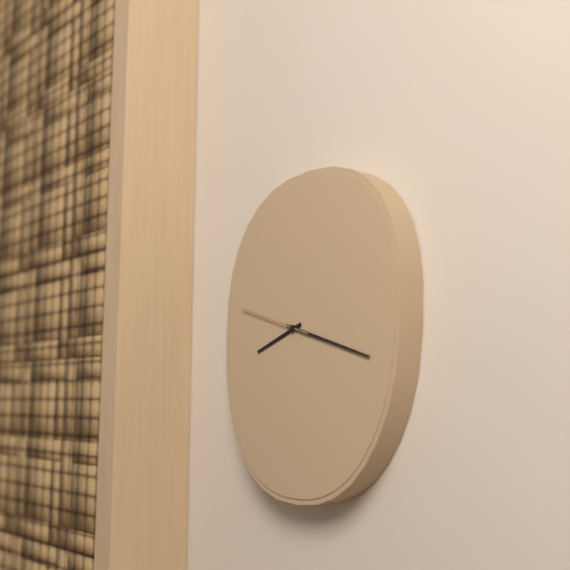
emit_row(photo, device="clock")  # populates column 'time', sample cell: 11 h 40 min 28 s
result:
8 h 18 min 48 s
